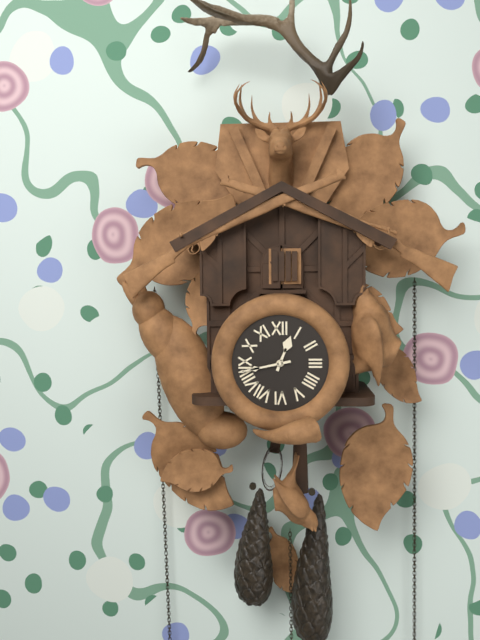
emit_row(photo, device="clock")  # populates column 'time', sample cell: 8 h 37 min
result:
12 h 43 min
